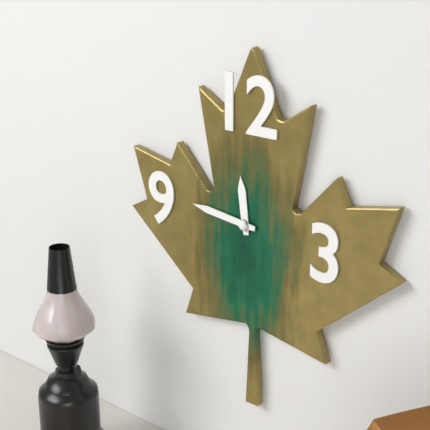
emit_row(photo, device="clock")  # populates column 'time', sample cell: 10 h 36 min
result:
11 h 46 min
